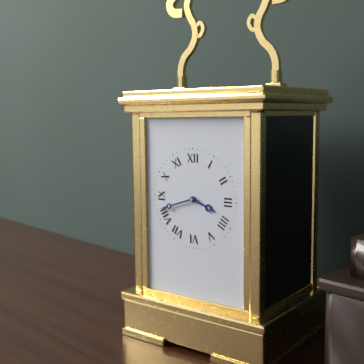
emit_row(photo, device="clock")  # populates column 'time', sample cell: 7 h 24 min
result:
3 h 42 min
